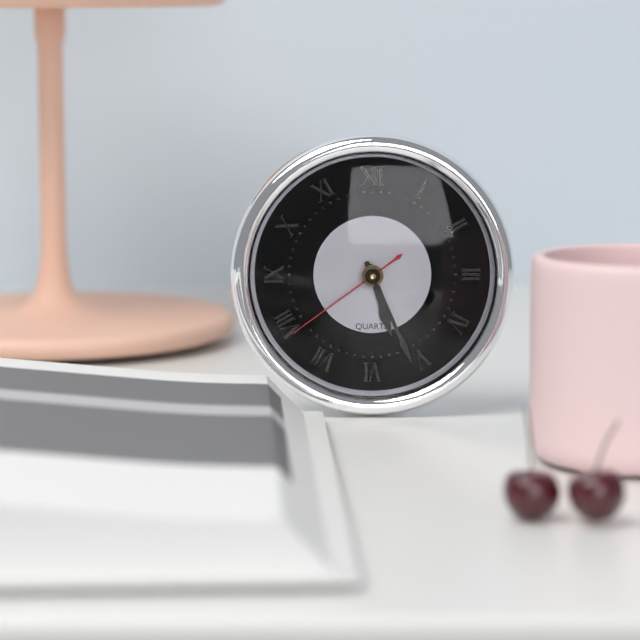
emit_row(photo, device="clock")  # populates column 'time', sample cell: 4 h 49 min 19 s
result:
5 h 26 min 39 s
